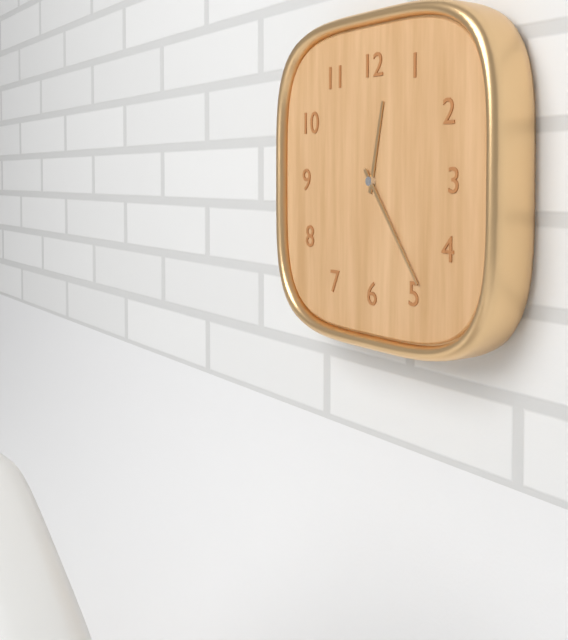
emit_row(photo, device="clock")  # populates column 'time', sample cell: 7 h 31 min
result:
12 h 24 min
